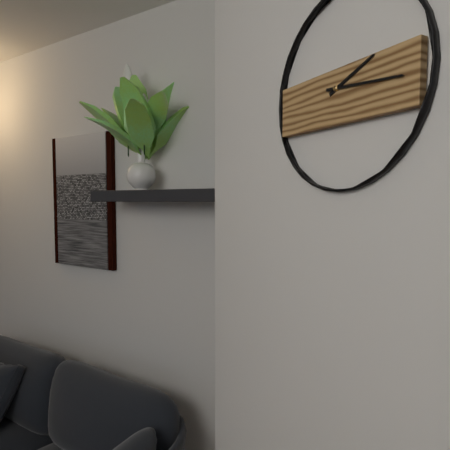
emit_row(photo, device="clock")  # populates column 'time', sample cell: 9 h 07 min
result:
2 h 16 min
